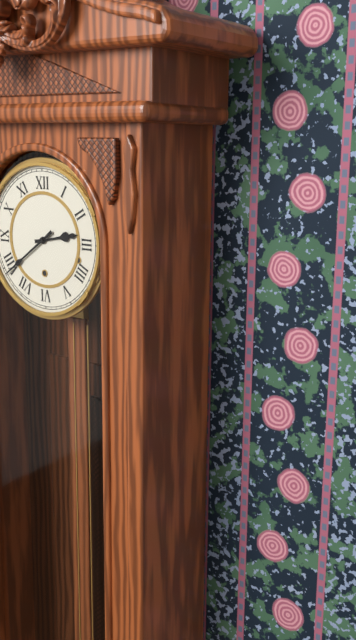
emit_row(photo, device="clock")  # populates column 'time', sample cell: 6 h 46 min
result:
2 h 39 min
